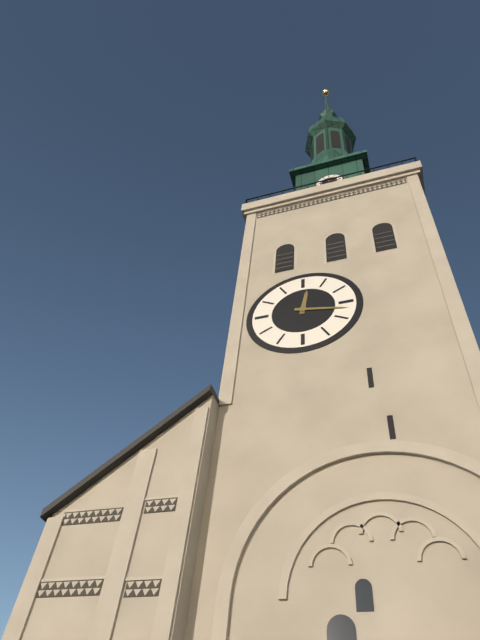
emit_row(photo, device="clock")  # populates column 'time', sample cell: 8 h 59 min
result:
12 h 17 min
